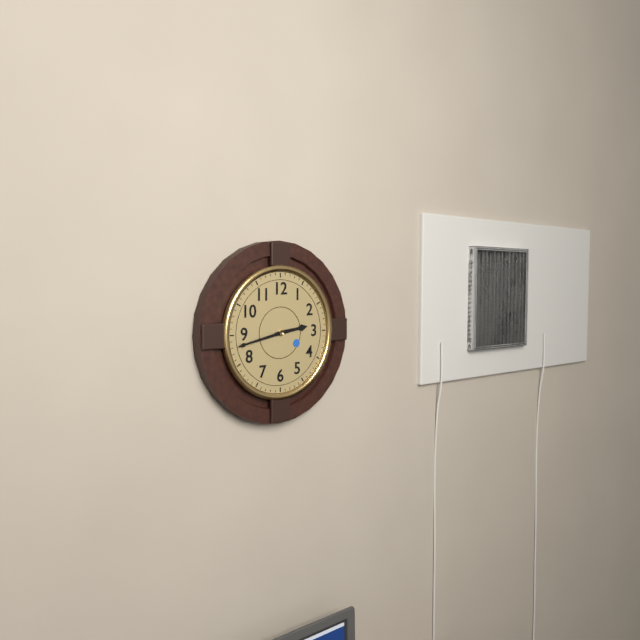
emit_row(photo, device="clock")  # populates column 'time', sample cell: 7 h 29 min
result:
2 h 43 min
